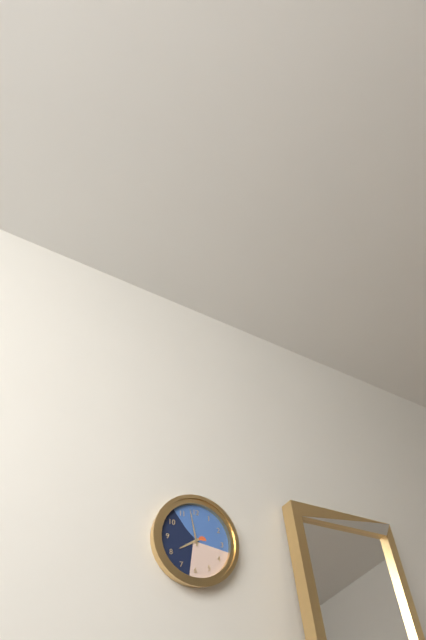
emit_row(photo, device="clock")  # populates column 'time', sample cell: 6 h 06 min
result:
7 h 58 min
